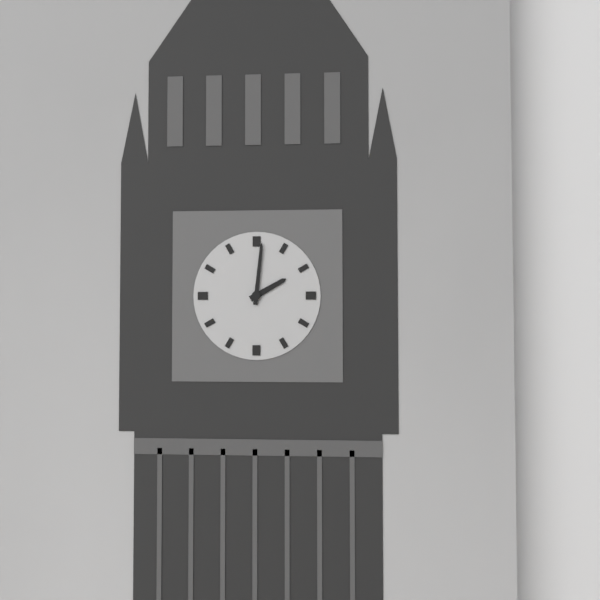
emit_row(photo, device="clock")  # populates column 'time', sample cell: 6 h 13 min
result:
2 h 01 min
